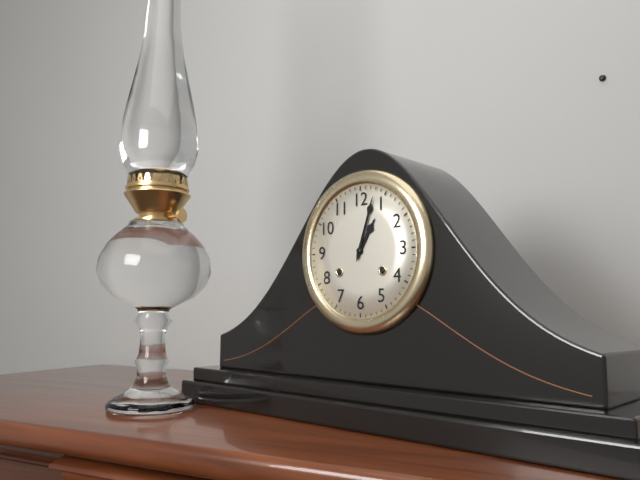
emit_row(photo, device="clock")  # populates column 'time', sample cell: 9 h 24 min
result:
1 h 03 min
